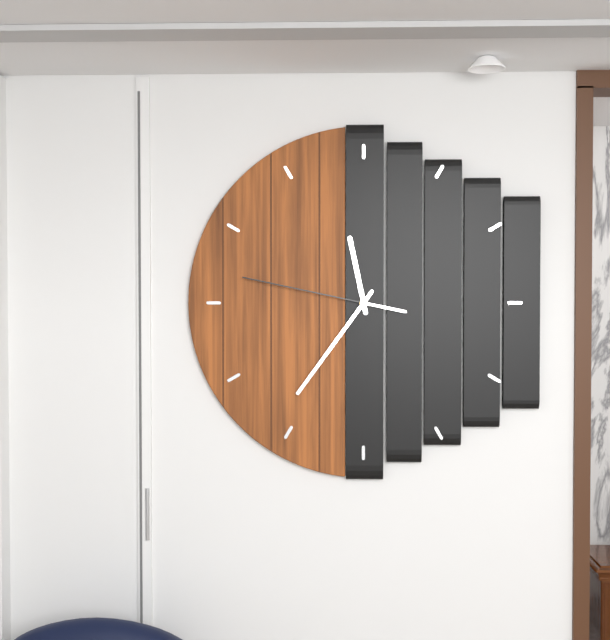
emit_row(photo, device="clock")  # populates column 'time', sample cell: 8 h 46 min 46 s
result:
11 h 36 min 47 s
